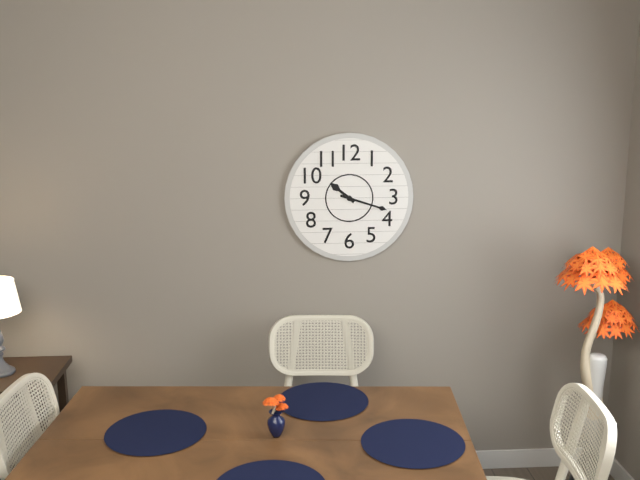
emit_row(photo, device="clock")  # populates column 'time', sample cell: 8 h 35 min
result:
10 h 18 min
